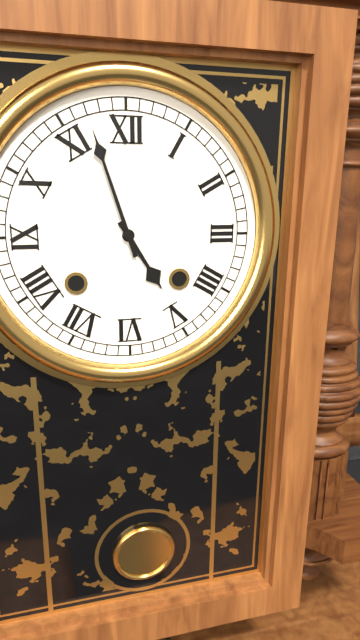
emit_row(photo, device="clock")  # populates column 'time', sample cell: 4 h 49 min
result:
4 h 57 min
